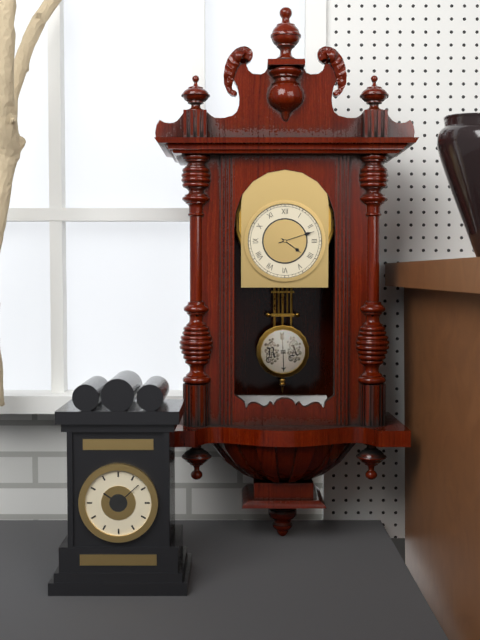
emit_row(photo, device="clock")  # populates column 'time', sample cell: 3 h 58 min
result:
4 h 12 min
